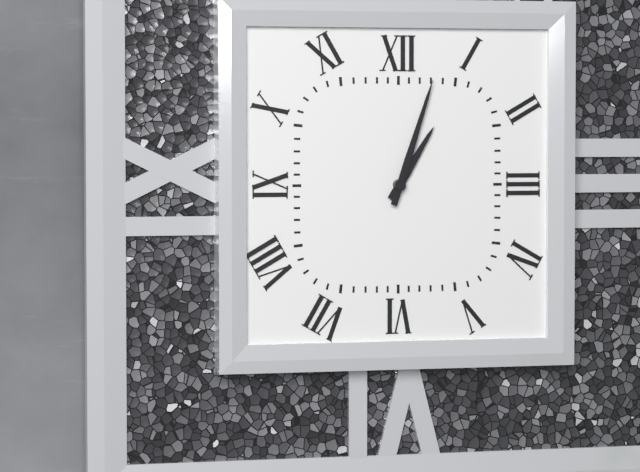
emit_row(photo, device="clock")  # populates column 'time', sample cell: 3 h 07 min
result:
1 h 03 min
